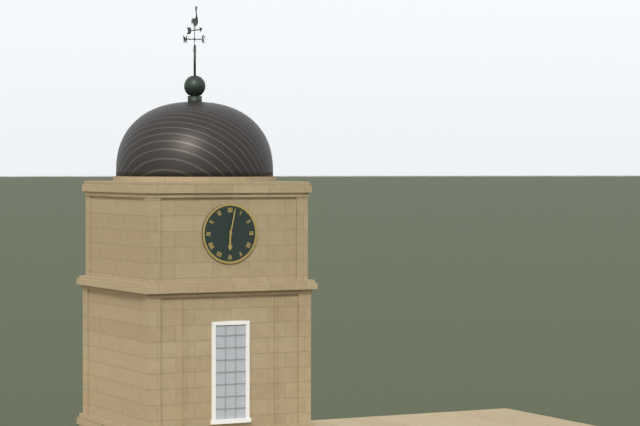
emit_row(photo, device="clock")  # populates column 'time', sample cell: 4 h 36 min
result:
6 h 02 min
